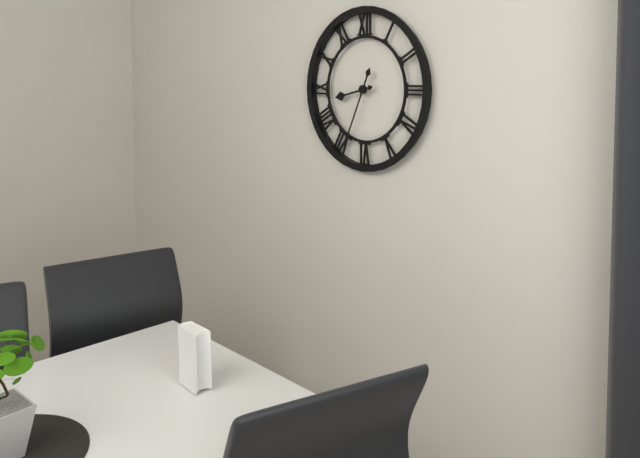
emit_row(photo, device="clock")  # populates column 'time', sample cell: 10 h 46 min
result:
8 h 34 min
